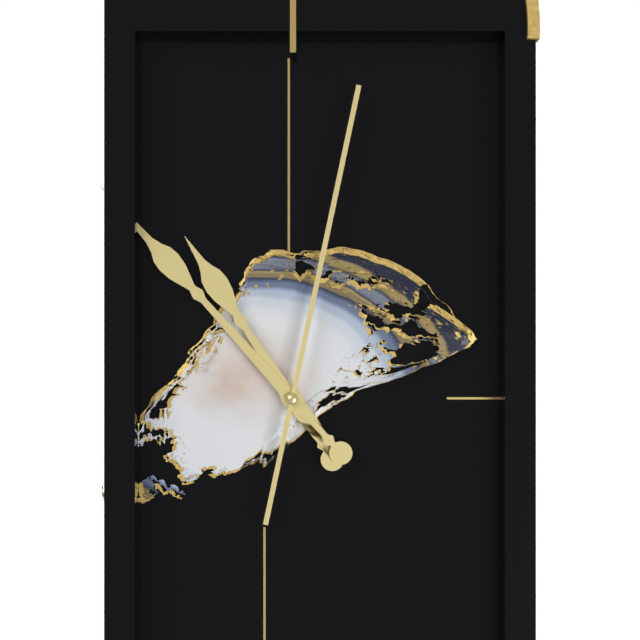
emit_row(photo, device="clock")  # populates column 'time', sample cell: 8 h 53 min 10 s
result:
10 h 53 min 02 s
